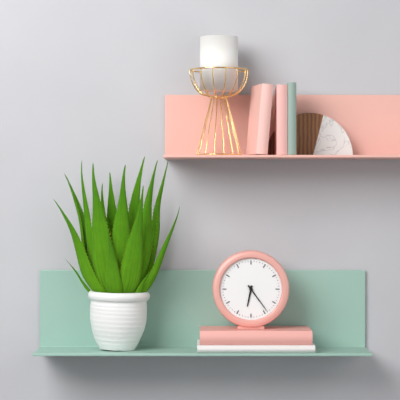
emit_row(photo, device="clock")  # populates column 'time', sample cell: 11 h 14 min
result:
6 h 24 min
